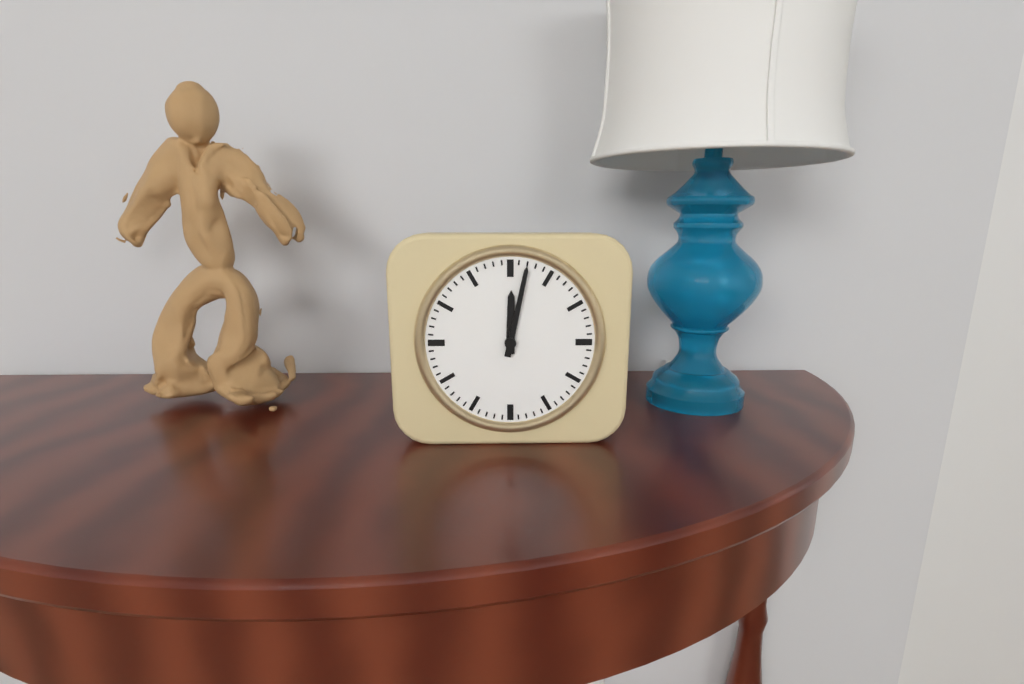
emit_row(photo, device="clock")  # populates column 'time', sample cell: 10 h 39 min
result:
12 h 02 min
